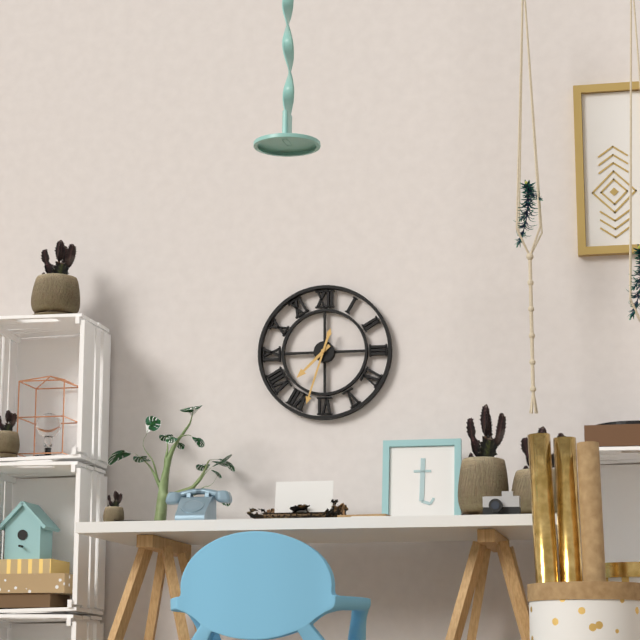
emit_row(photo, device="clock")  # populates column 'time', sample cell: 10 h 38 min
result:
7 h 33 min
